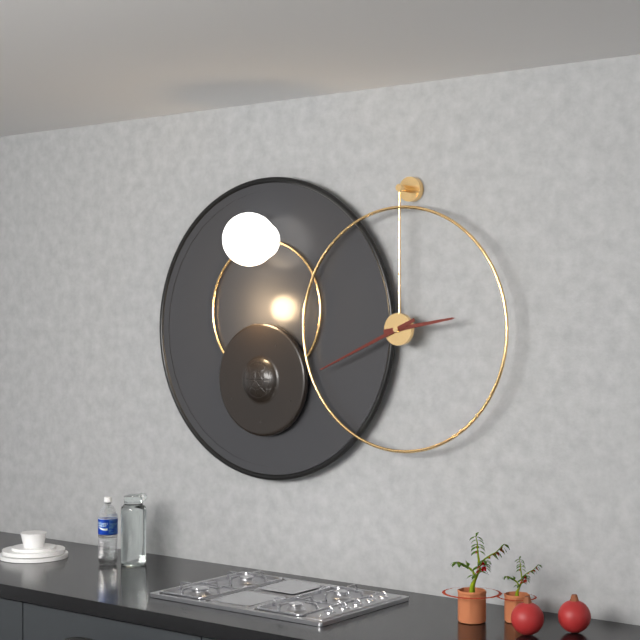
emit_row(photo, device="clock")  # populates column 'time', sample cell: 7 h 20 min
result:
2 h 41 min
